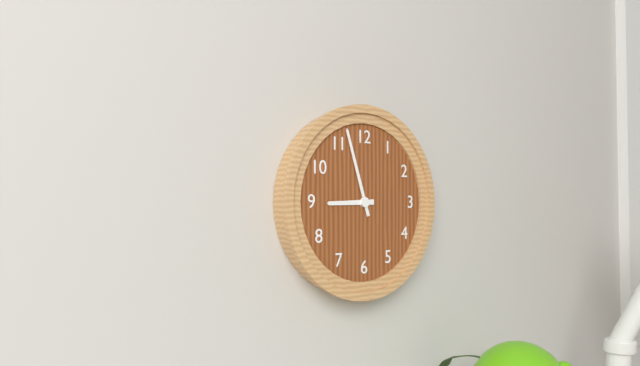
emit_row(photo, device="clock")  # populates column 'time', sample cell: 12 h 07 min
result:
8 h 57 min
